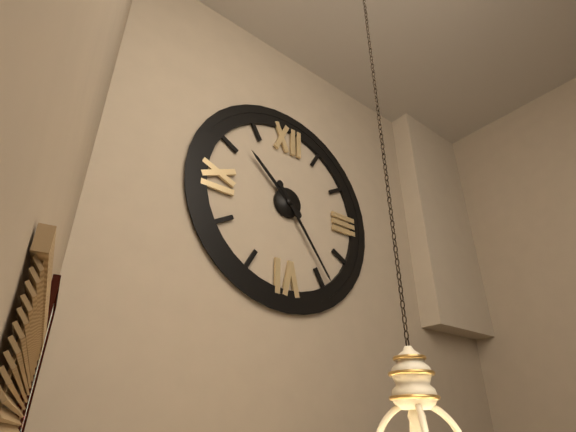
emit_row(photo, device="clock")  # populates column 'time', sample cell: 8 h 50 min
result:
10 h 24 min
